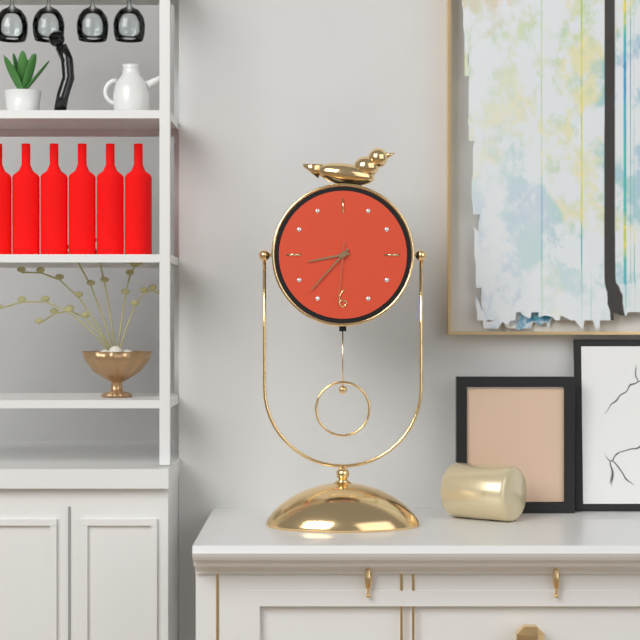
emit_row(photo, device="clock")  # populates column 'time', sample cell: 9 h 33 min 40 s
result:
8 h 37 min 31 s
